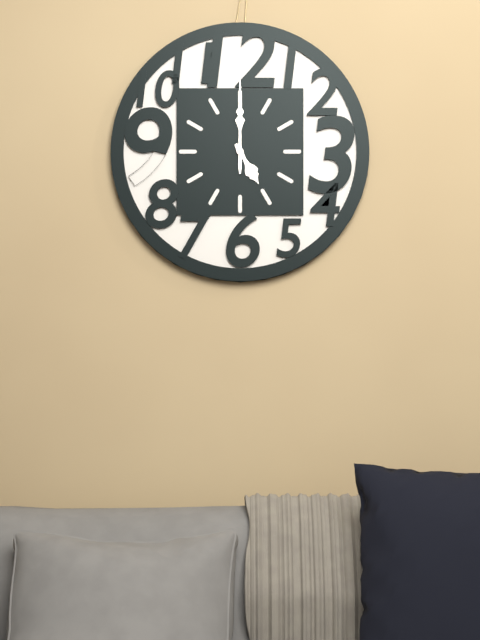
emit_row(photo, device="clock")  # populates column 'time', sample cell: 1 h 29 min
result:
5 h 00 min
